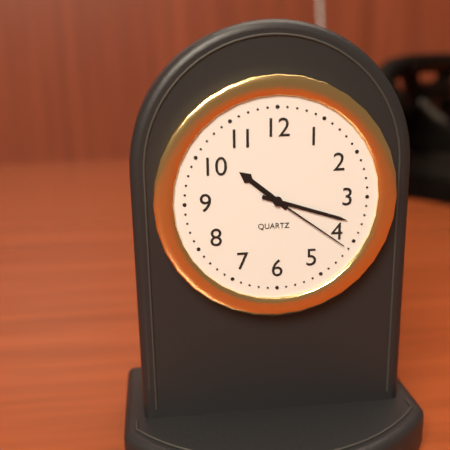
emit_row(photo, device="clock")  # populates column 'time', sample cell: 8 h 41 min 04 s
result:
10 h 18 min 21 s
